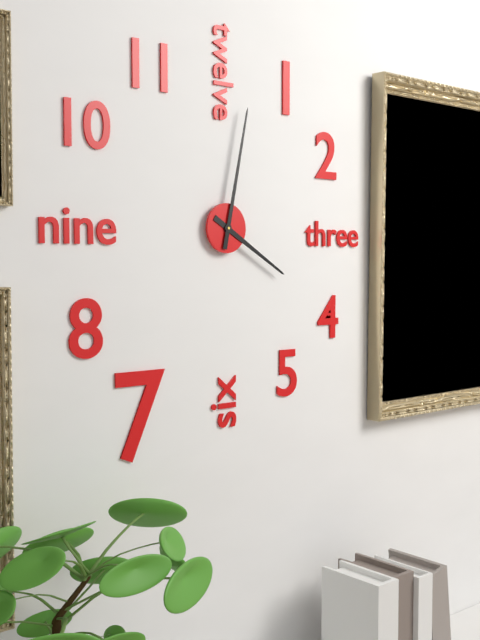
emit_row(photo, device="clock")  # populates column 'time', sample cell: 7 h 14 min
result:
4 h 02 min
